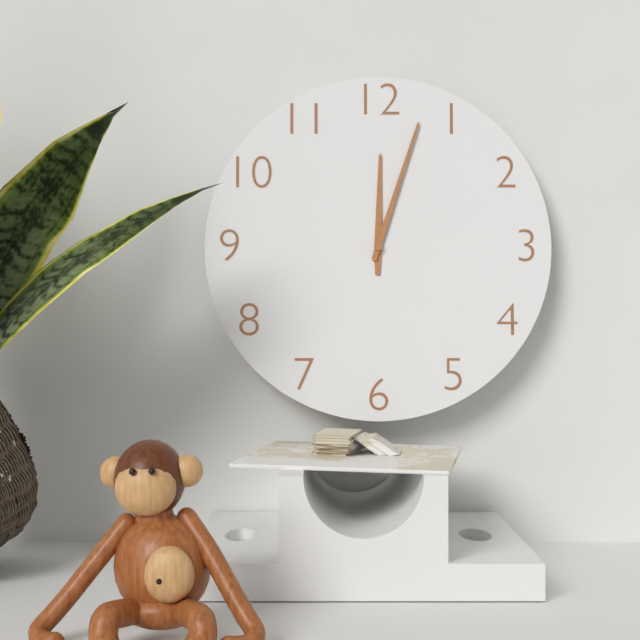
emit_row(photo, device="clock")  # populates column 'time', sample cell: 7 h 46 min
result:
12 h 03 min
